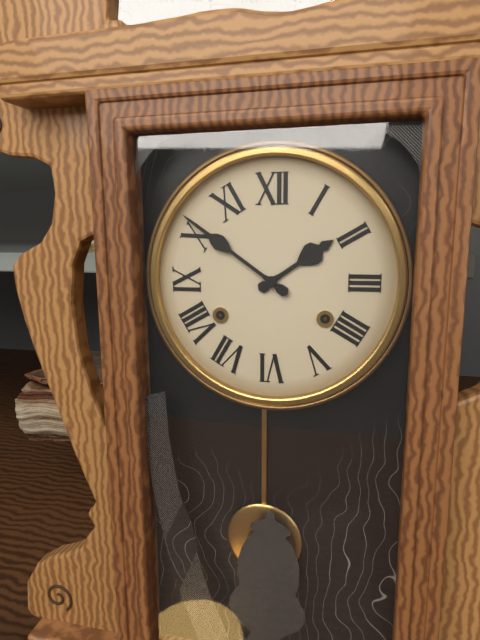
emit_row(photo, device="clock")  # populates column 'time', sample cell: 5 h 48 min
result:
1 h 51 min
